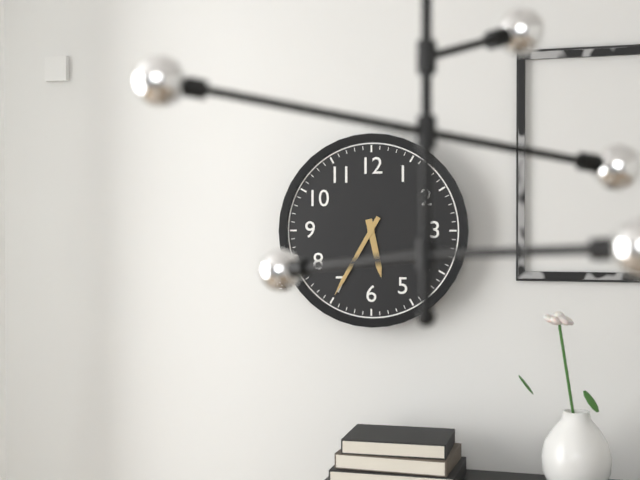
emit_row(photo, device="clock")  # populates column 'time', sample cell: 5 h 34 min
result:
5 h 35 min
